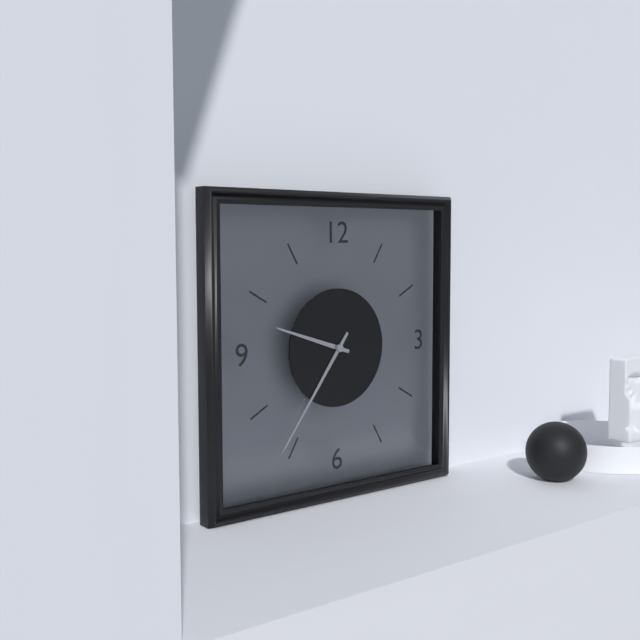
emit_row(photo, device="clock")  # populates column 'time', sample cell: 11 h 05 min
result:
9 h 36 min
